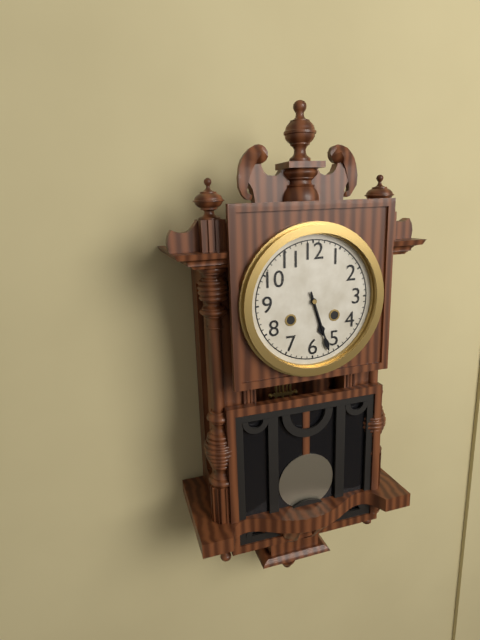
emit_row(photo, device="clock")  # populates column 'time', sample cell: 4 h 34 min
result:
5 h 27 min
